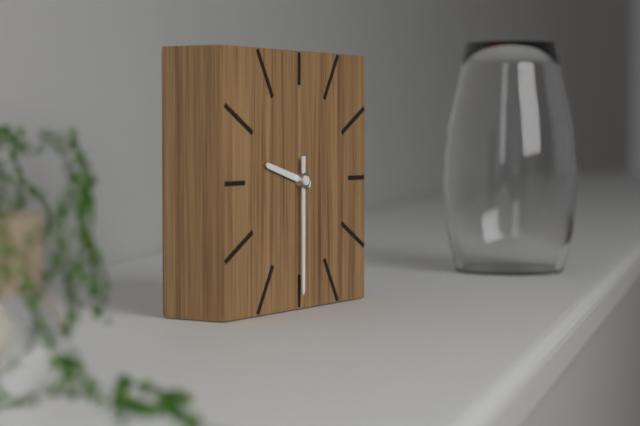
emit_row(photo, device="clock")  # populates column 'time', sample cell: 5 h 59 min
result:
9 h 30 min
